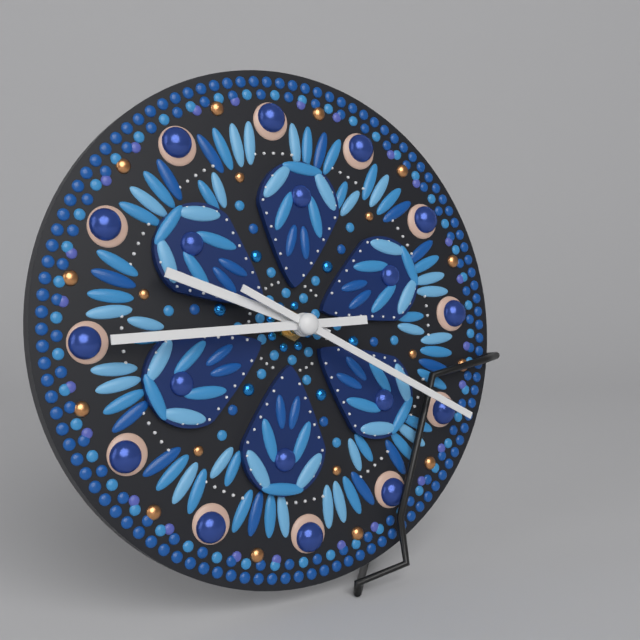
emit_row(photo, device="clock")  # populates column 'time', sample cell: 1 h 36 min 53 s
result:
9 h 45 min 20 s
